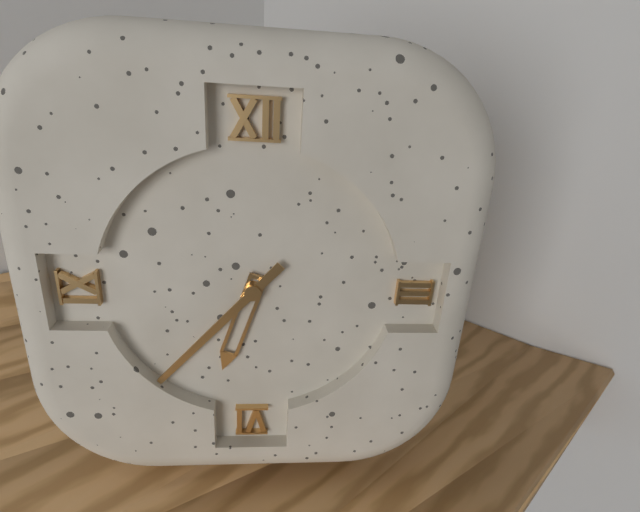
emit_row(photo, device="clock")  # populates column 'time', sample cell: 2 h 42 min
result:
6 h 37 min
